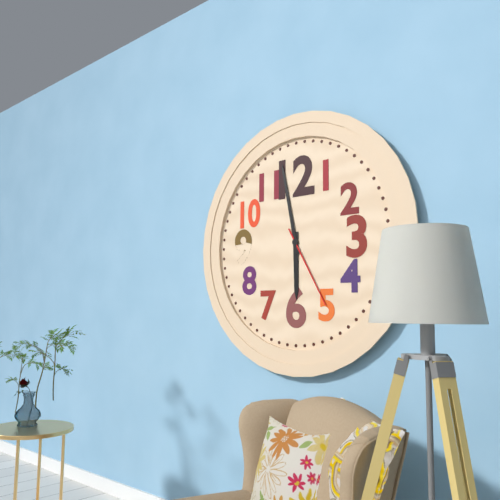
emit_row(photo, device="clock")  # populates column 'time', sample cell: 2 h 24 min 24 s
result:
5 h 58 min 25 s
